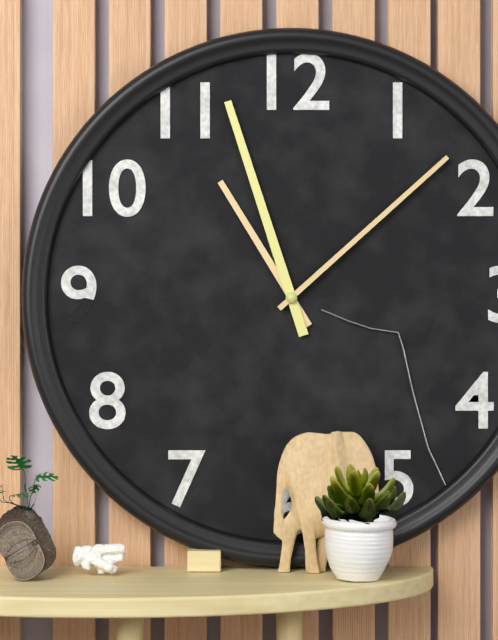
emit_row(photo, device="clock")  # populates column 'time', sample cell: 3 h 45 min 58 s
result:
10 h 57 min 08 s
